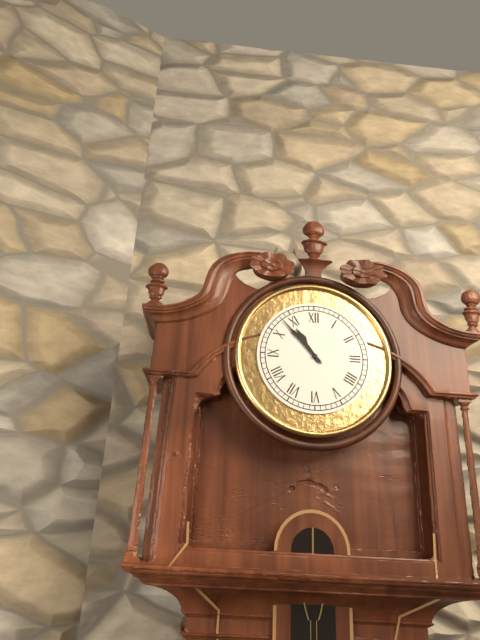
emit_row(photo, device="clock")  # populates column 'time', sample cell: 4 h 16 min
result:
10 h 53 min
